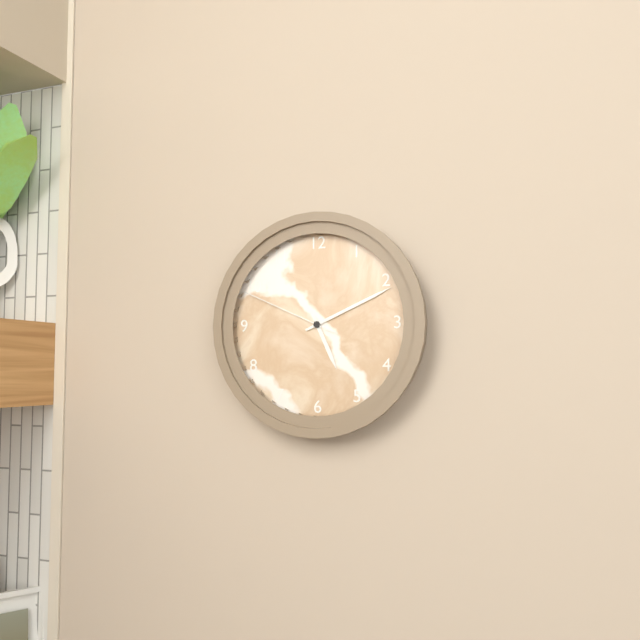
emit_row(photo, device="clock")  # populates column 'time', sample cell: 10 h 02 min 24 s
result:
5 h 11 min 49 s
